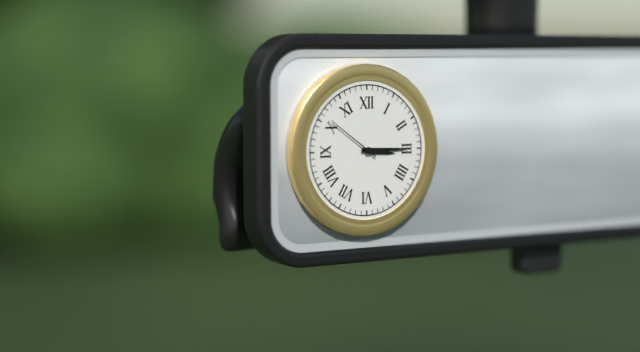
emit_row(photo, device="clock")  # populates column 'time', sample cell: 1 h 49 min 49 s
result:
3 h 15 min 51 s
